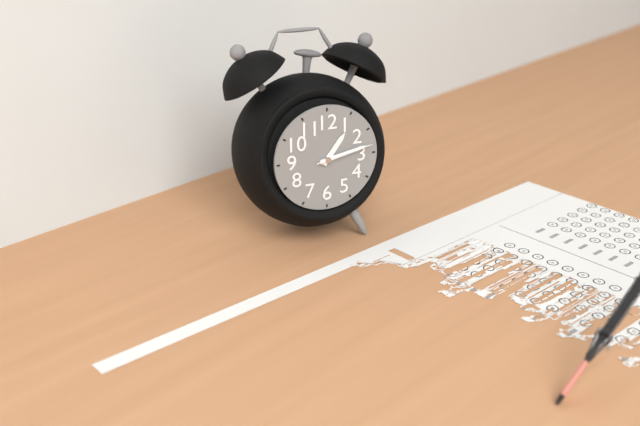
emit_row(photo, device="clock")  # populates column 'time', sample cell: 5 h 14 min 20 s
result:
1 h 13 min 13 s
